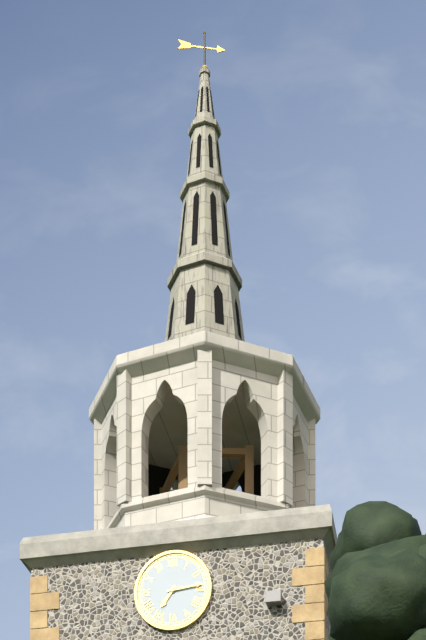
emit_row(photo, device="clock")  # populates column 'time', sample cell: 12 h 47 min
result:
7 h 14 min
